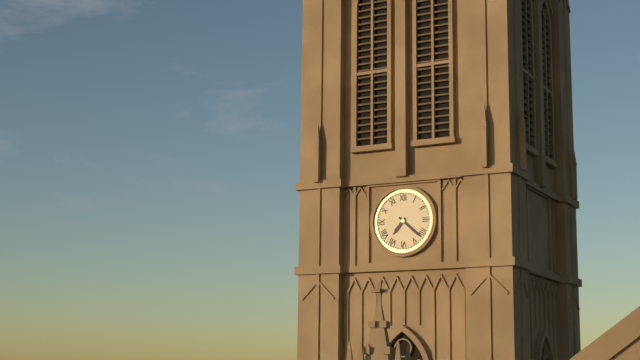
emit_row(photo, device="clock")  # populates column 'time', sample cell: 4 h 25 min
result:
7 h 22 min
